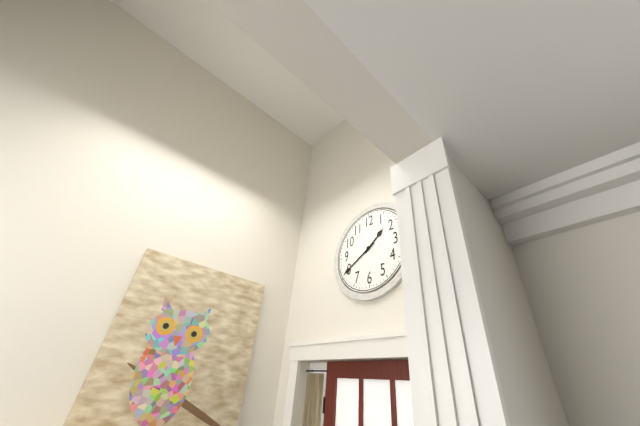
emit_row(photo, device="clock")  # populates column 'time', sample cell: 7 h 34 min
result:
1 h 40 min
